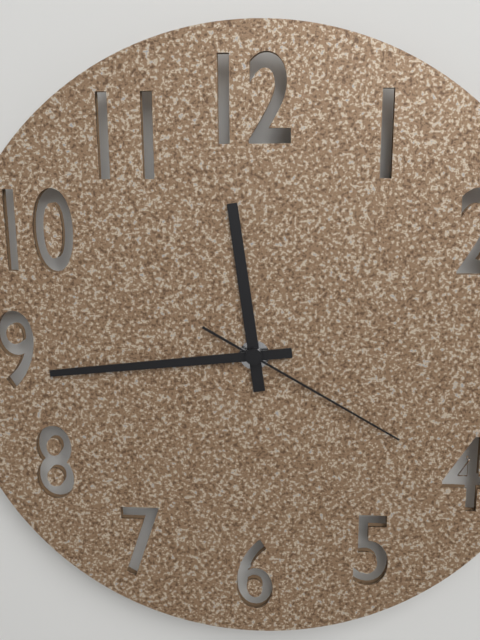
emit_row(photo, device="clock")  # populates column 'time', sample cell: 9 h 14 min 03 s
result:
11 h 44 min 20 s
